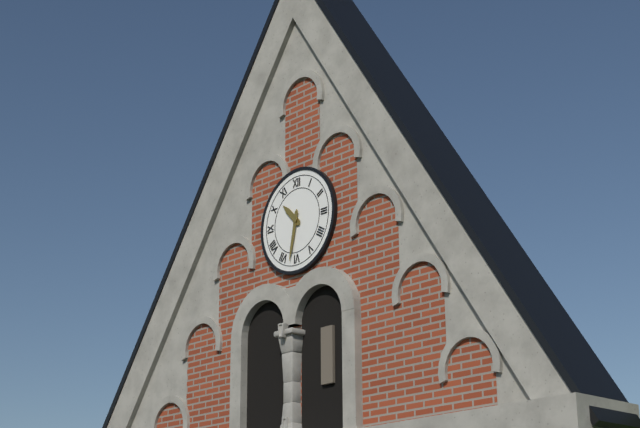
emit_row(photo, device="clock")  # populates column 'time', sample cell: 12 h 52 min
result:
10 h 32 min
